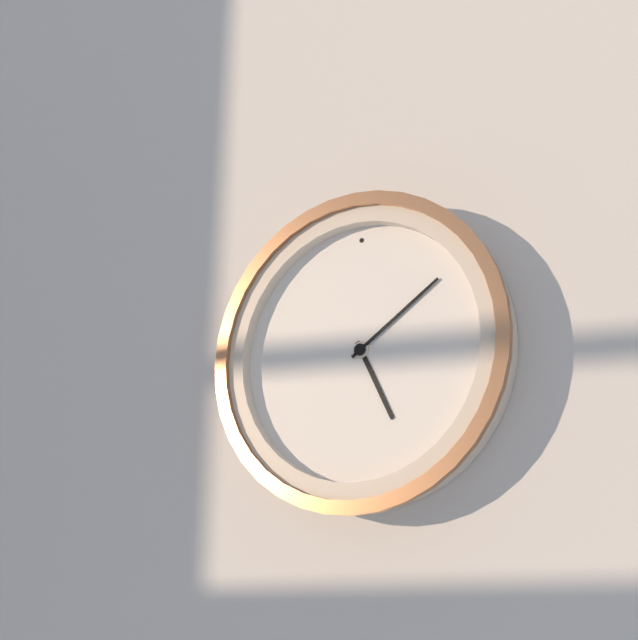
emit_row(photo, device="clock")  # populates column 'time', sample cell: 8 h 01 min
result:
5 h 09 min
